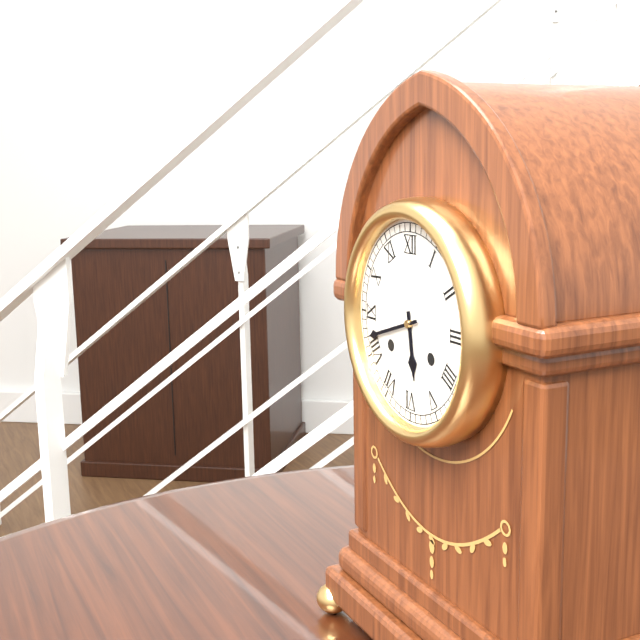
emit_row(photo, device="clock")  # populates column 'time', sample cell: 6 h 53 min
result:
5 h 42 min
